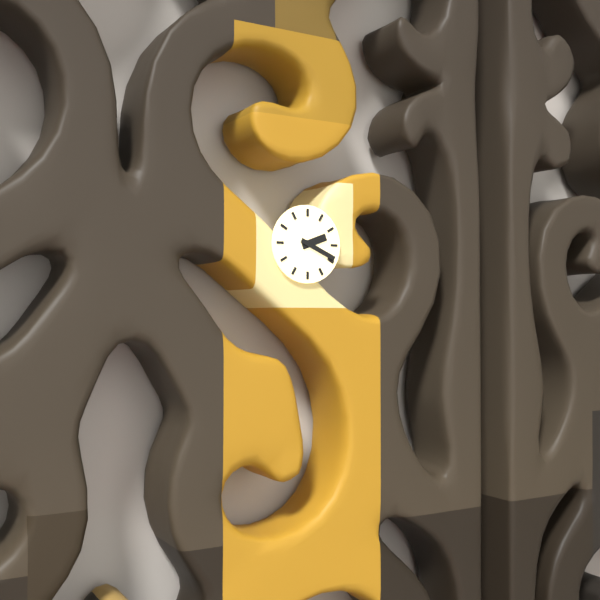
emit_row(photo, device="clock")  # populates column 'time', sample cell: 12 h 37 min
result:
2 h 19 min
